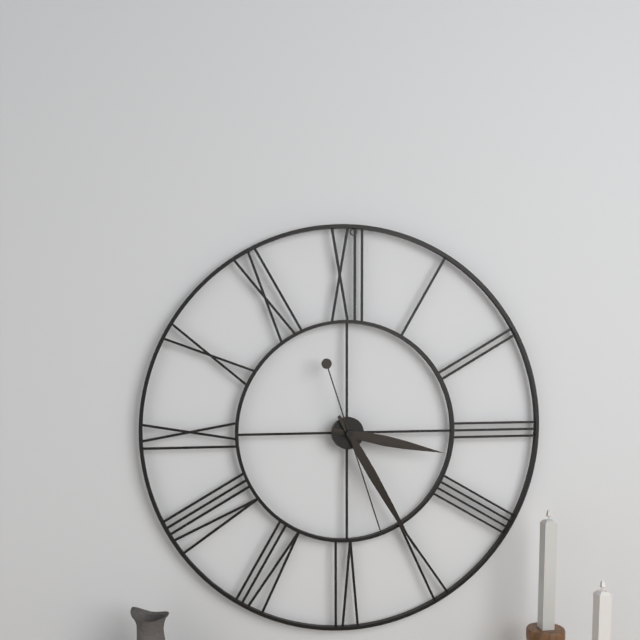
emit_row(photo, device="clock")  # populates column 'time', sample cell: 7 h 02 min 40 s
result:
3 h 25 min 27 s
